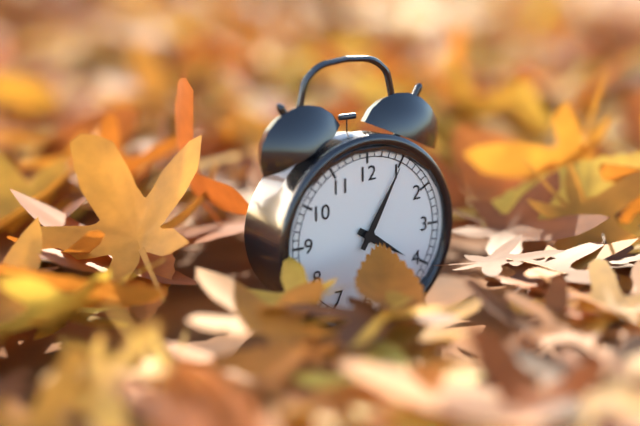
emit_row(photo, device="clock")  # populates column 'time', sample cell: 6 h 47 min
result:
4 h 05 min
